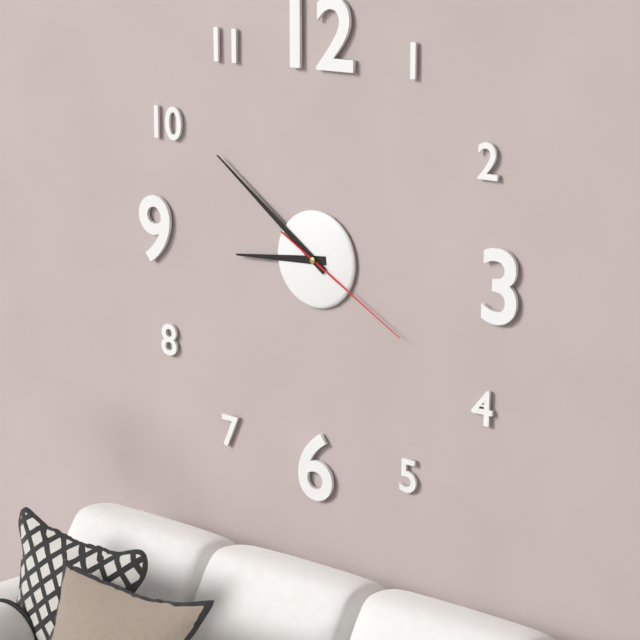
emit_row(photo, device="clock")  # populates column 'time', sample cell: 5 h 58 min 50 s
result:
8 h 51 min 20 s
